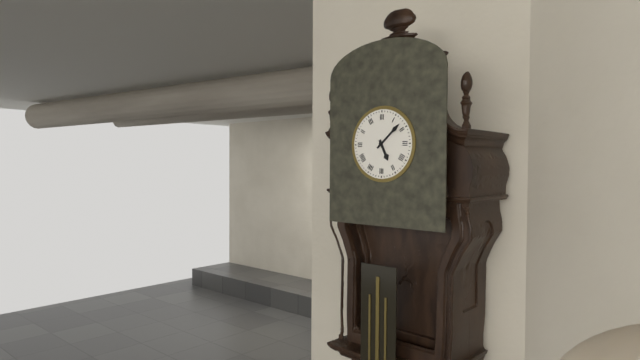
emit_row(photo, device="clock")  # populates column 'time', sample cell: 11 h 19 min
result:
5 h 08 min
